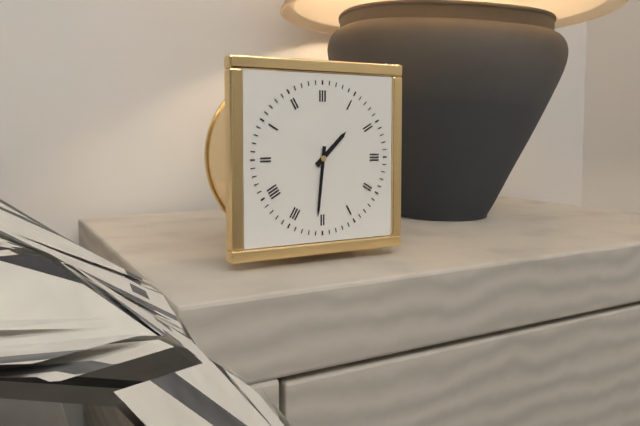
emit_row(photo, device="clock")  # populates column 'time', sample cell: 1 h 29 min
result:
1 h 31 min
